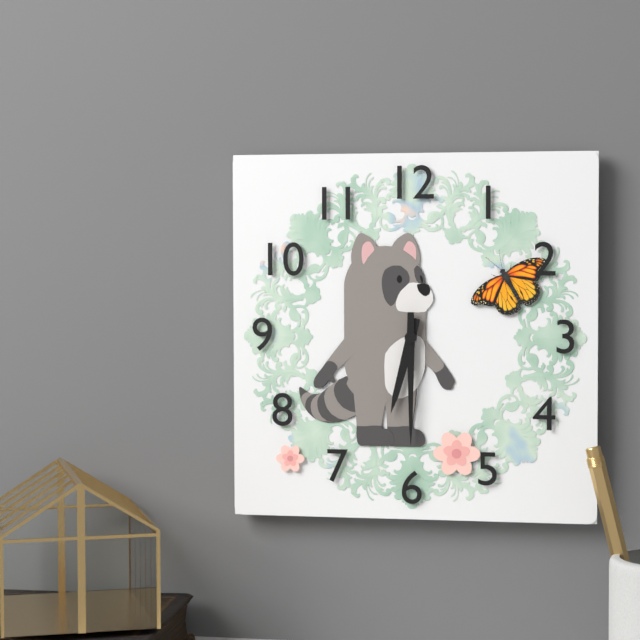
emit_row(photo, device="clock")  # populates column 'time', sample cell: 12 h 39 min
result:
6 h 30 min
